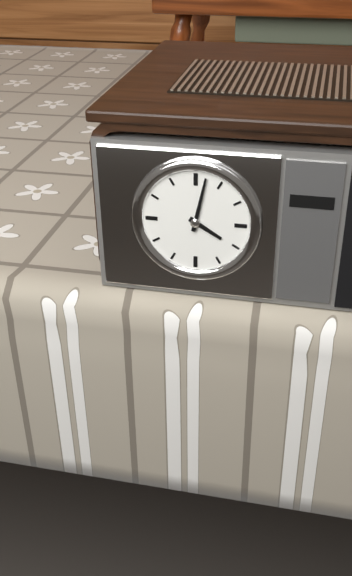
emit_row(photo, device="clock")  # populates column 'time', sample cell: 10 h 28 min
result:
4 h 02 min
